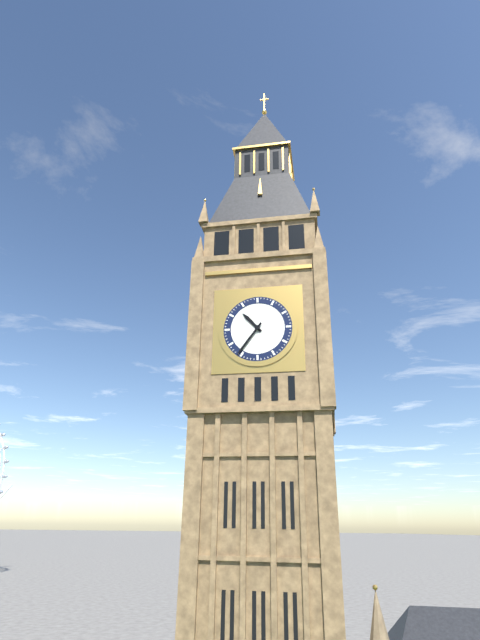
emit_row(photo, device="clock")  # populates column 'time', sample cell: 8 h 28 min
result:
10 h 36 min
